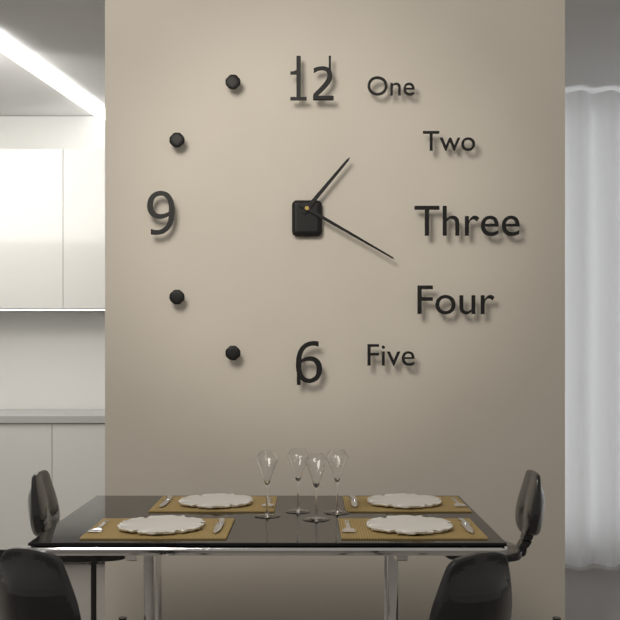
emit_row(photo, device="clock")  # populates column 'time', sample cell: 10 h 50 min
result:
1 h 20 min
